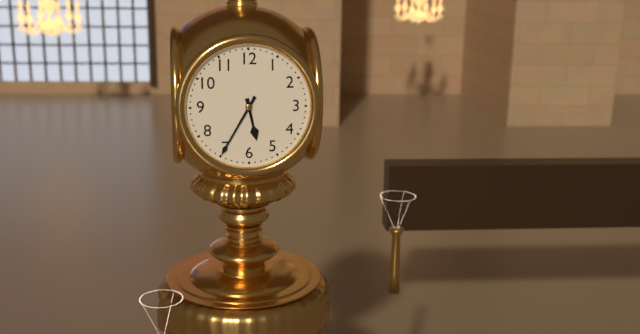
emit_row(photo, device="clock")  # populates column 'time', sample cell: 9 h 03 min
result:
5 h 35 min
